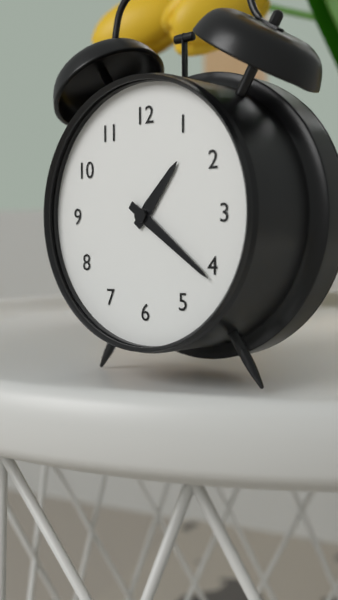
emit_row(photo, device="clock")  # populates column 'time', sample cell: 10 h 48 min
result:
1 h 21 min
